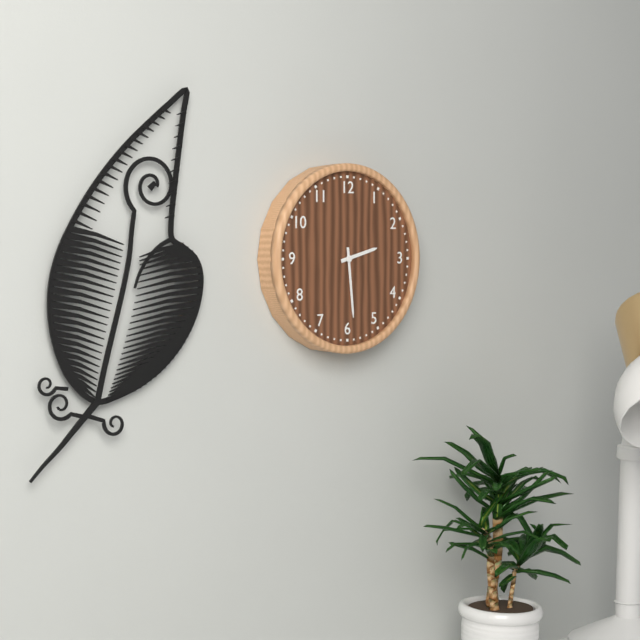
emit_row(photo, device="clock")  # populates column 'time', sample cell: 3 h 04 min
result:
2 h 29 min
